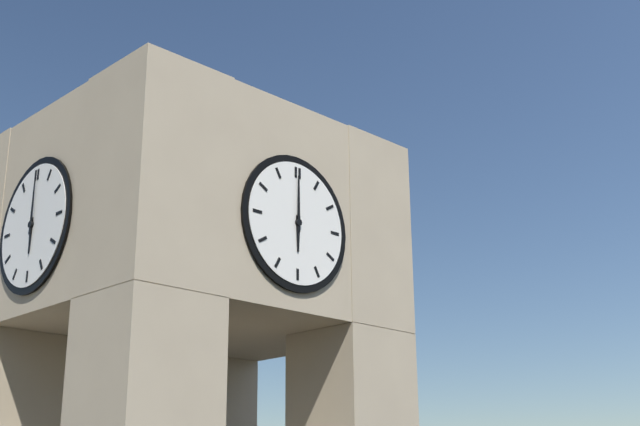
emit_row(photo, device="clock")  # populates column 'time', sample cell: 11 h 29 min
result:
6 h 00 min
